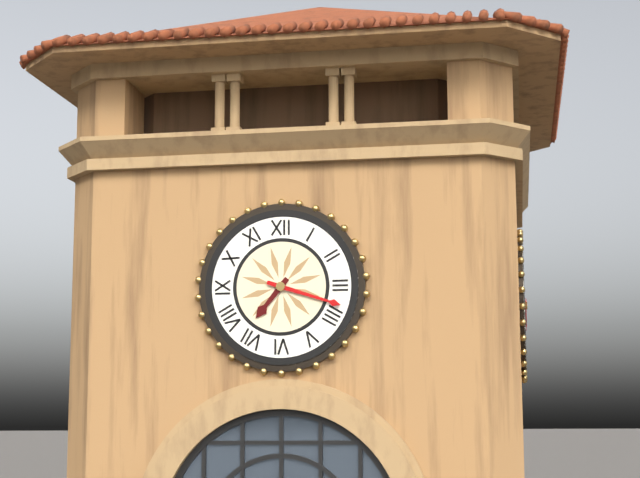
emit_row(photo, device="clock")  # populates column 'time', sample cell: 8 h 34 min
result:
7 h 18 min
